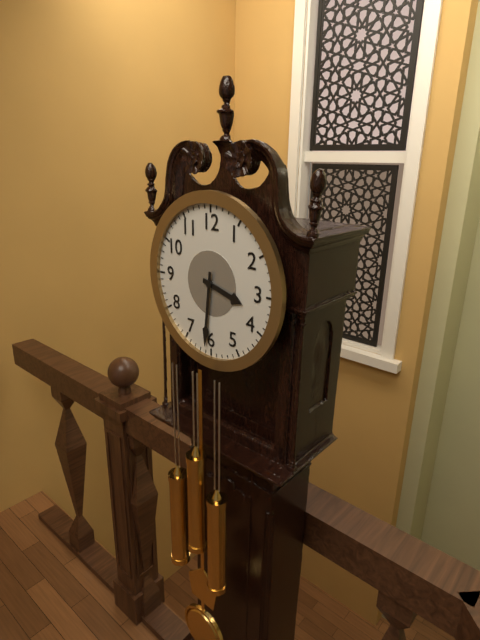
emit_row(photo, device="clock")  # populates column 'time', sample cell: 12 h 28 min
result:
3 h 31 min
